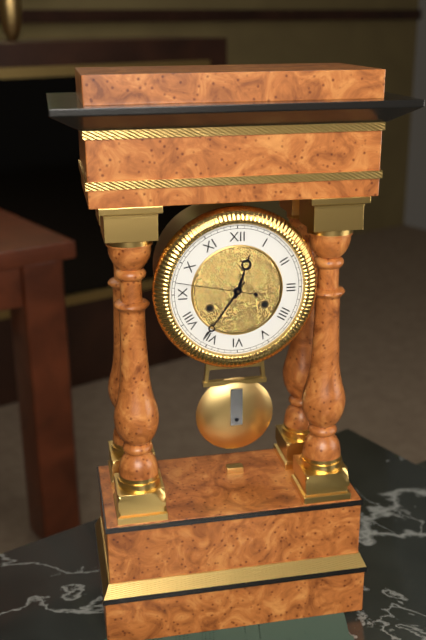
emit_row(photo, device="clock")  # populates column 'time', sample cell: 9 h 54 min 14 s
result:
12 h 36 min 47 s
